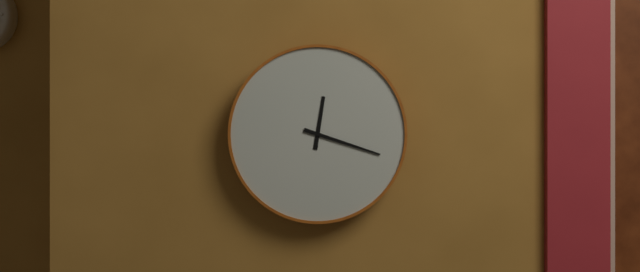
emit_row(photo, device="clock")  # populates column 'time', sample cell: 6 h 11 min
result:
12 h 18 min
